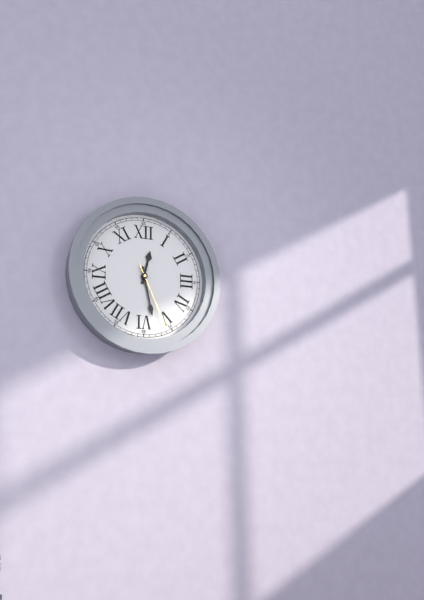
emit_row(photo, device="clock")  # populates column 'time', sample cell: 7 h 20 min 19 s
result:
12 h 28 min 26 s
